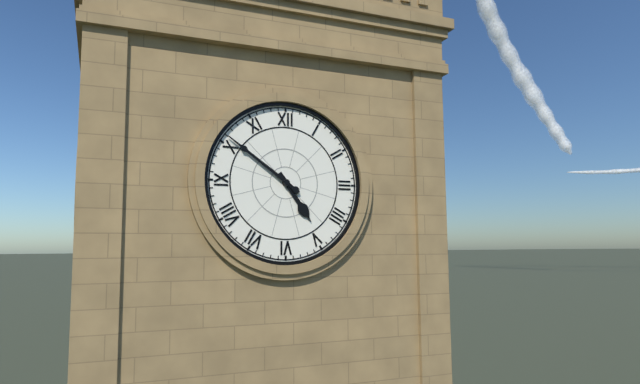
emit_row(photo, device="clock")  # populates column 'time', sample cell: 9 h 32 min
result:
4 h 51 min
